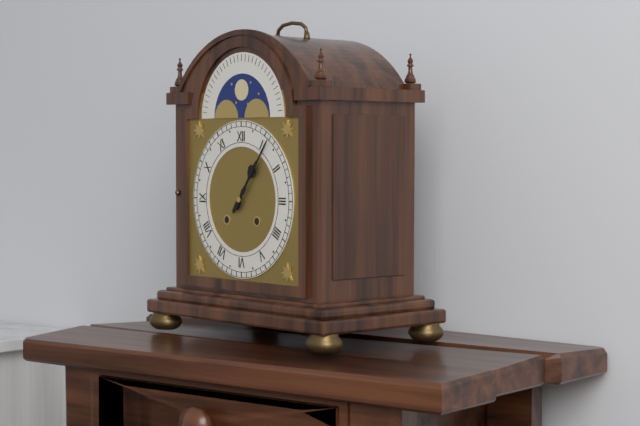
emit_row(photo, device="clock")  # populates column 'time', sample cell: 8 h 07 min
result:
1 h 06 min
